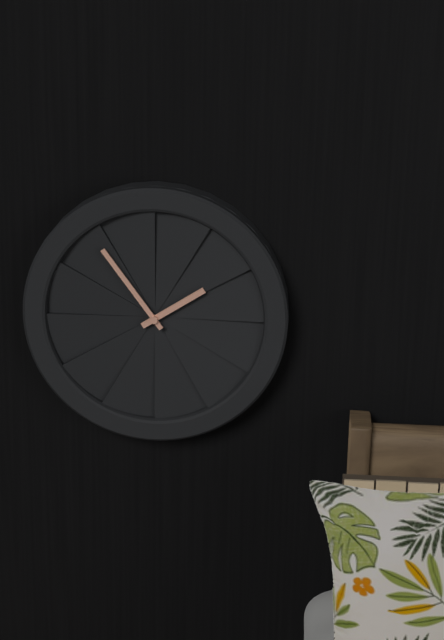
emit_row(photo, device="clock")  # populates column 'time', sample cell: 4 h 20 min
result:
1 h 54 min
